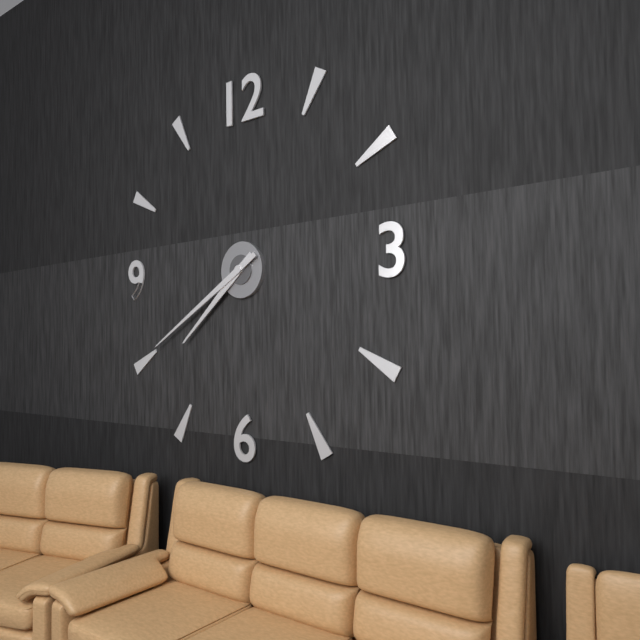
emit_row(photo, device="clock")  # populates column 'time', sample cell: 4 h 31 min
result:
7 h 40 min
